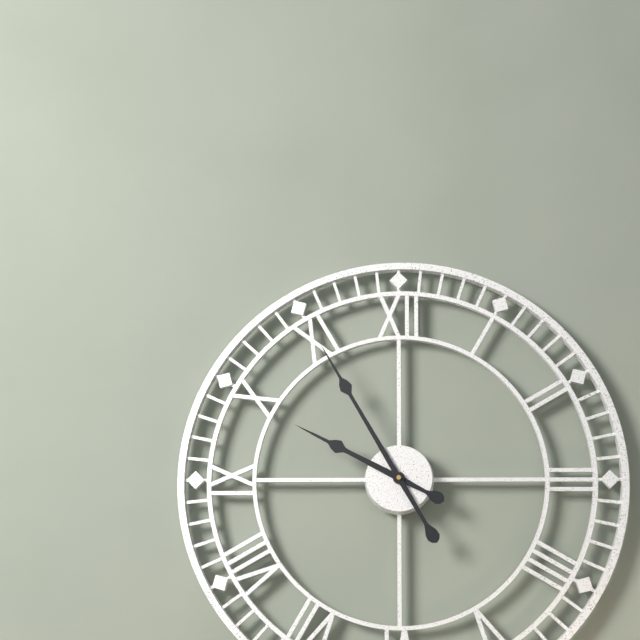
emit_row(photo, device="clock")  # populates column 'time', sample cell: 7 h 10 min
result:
9 h 55 min
